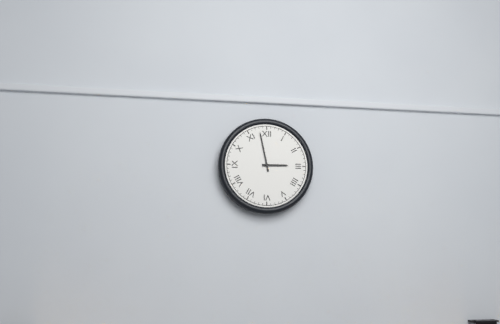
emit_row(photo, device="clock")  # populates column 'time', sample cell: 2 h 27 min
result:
2 h 58 min
